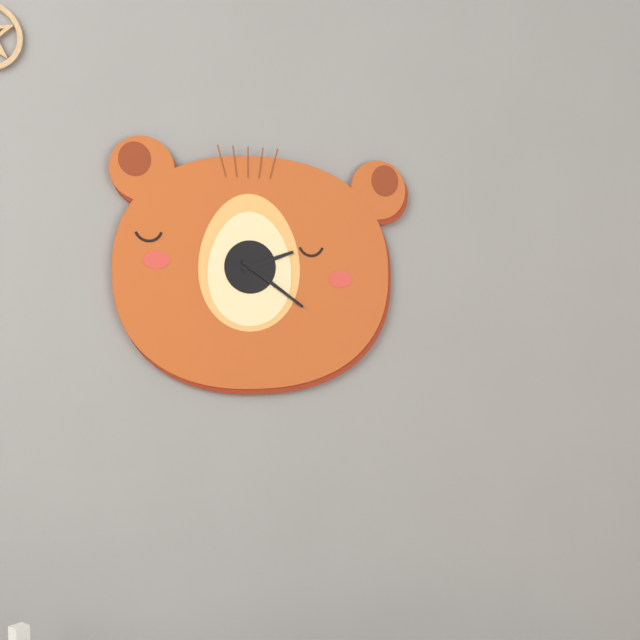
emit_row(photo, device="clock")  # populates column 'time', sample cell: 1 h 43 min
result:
2 h 21 min
